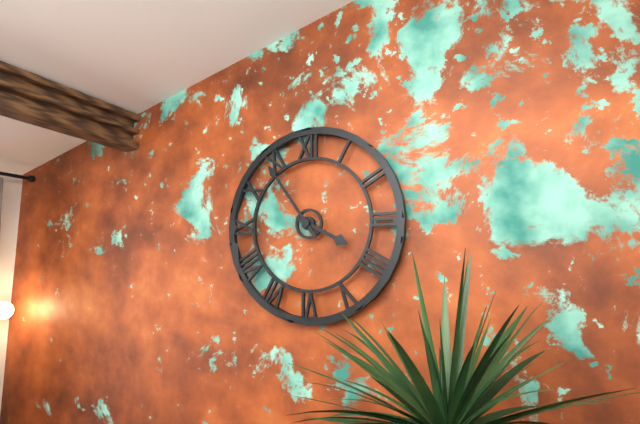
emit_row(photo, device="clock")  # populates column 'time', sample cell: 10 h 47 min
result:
3 h 54 min
